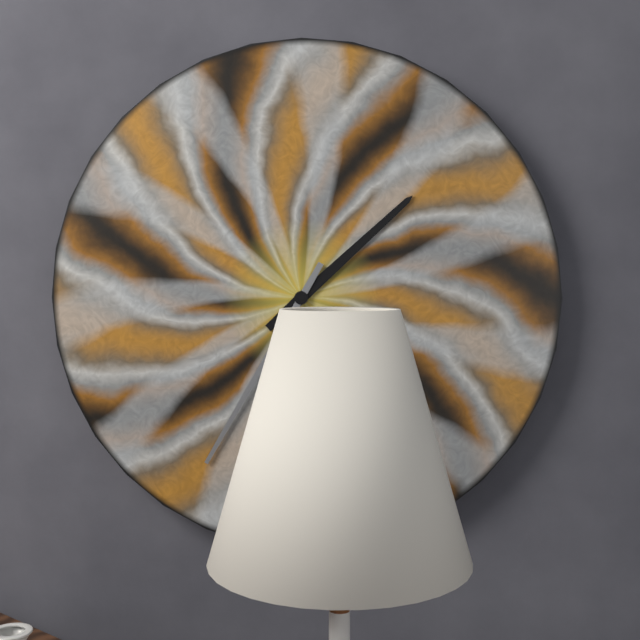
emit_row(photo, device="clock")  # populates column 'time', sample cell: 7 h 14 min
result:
1 h 35 min
